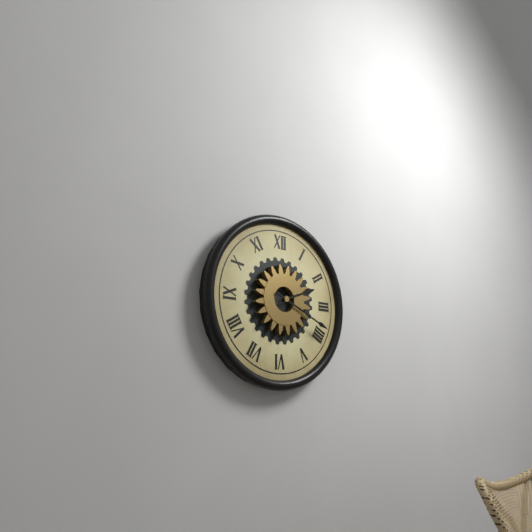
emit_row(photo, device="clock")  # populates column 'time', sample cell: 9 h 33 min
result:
2 h 19 min
